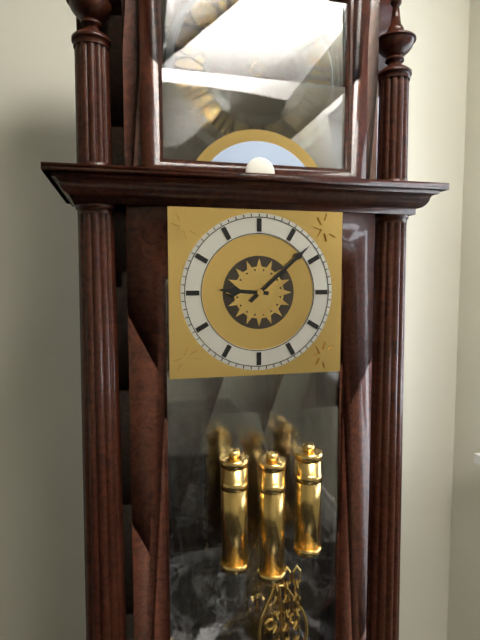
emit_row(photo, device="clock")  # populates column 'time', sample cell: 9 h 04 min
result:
9 h 08 min
